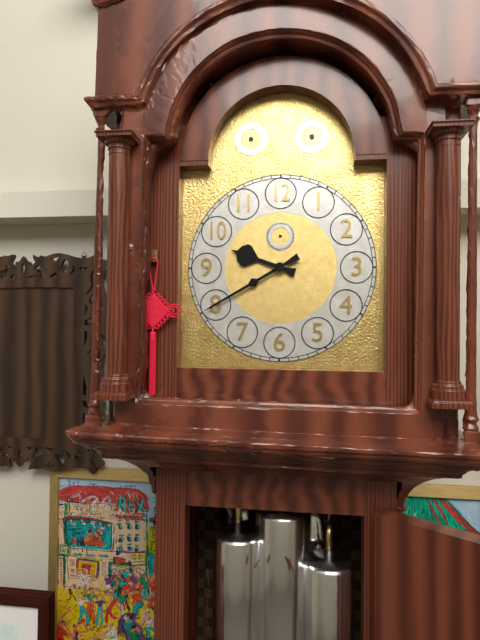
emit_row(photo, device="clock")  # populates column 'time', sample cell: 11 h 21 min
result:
9 h 40 min
